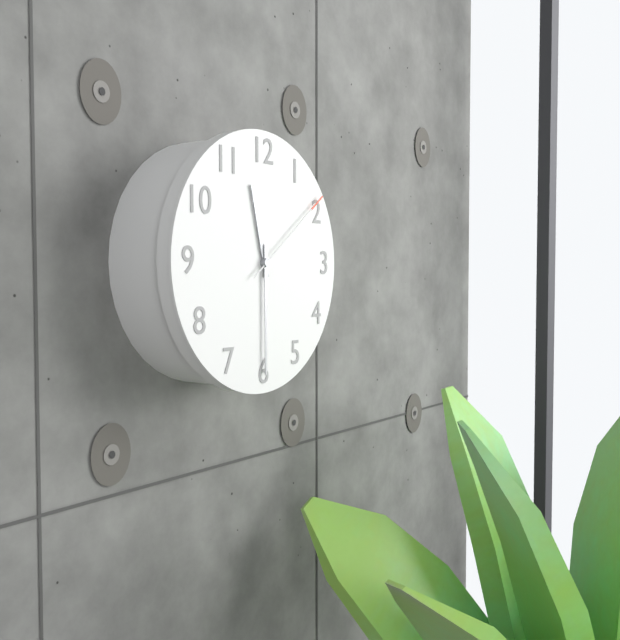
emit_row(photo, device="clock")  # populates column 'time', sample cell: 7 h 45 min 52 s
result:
11 h 30 min 09 s
